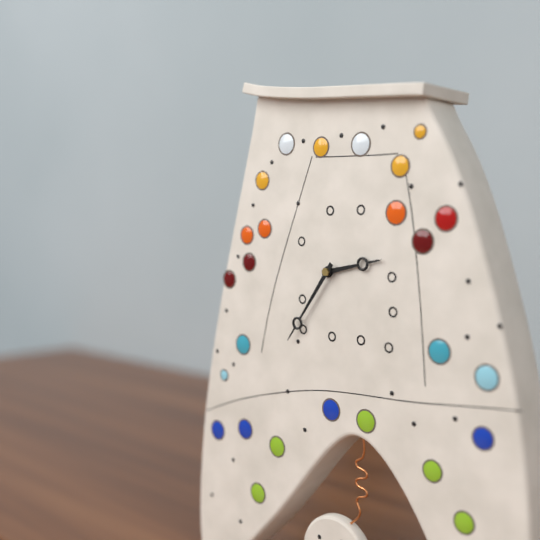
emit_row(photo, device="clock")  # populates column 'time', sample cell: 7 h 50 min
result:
2 h 36 min
